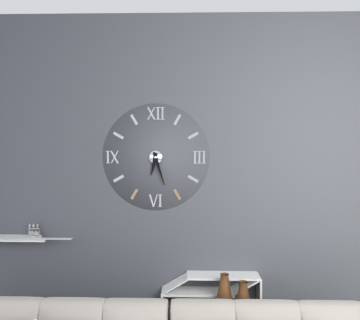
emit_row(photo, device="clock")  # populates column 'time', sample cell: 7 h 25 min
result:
6 h 27 min
